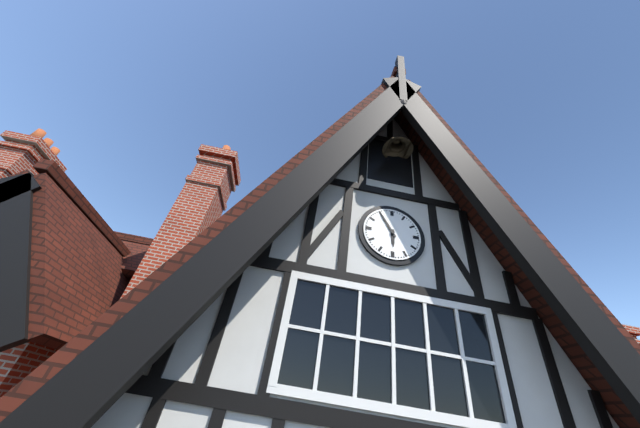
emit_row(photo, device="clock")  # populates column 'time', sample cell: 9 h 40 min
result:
5 h 55 min
